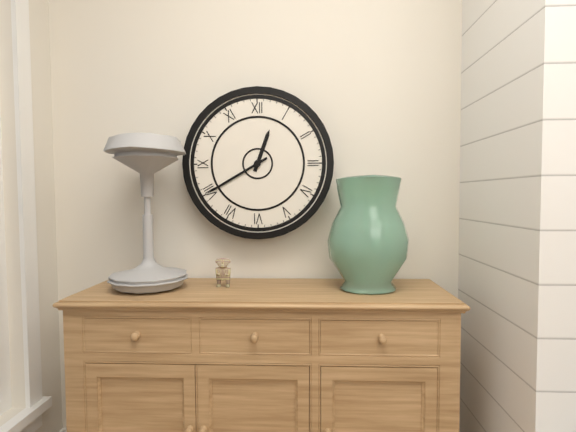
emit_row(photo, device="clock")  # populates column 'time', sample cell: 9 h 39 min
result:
12 h 40 min
